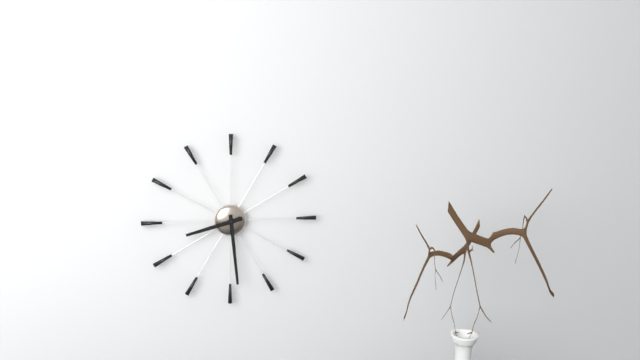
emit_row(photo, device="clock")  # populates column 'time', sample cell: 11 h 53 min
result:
8 h 29 min
